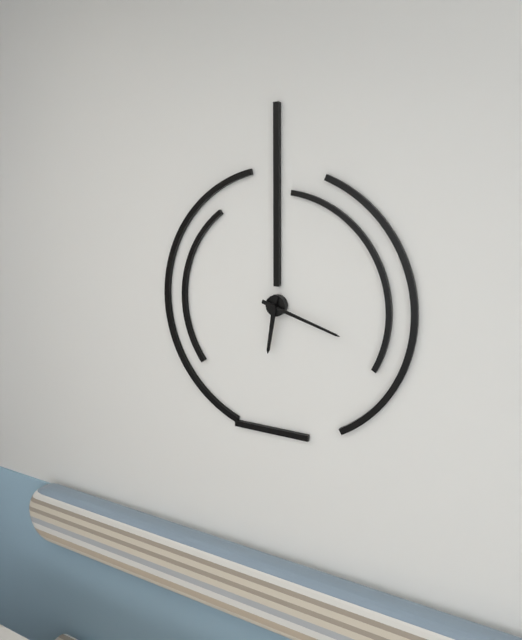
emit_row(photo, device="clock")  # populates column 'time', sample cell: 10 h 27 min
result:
6 h 18 min
